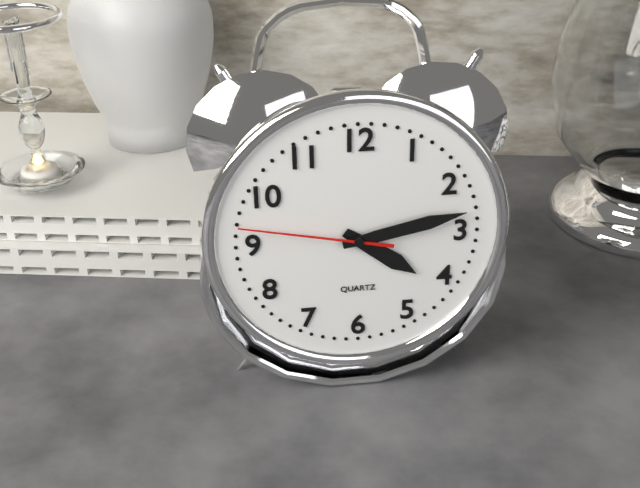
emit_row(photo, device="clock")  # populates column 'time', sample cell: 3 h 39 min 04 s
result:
4 h 13 min 47 s
